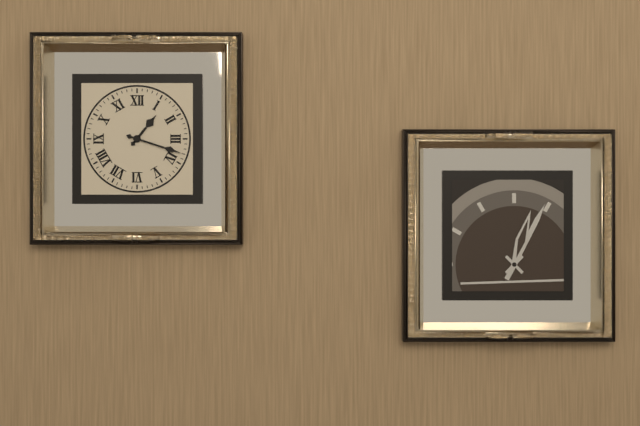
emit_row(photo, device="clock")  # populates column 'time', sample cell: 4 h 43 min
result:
1 h 18 min
